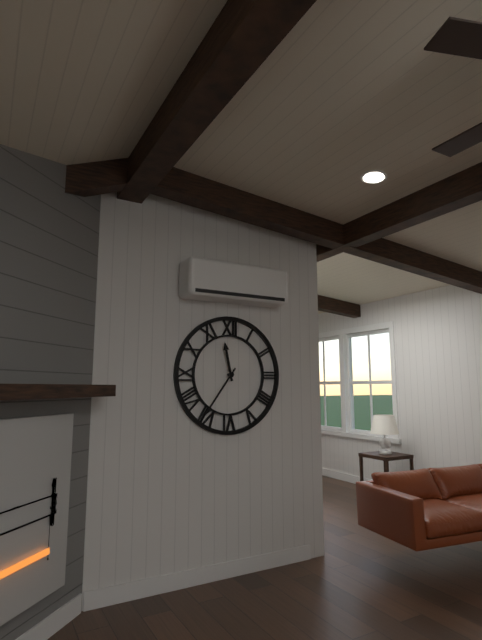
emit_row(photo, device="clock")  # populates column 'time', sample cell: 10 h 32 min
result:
11 h 36 min
